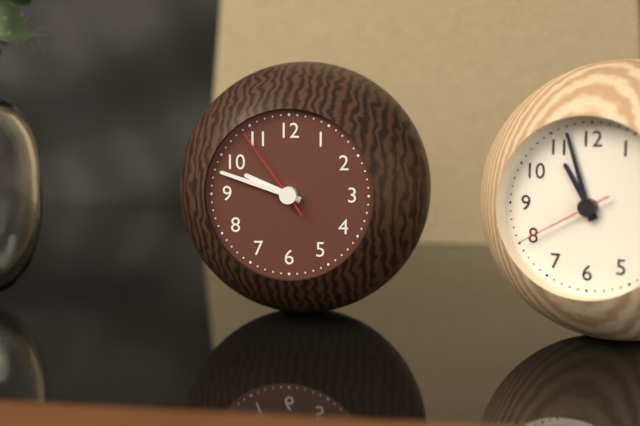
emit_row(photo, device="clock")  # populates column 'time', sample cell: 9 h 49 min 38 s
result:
9 h 48 min 54 s
